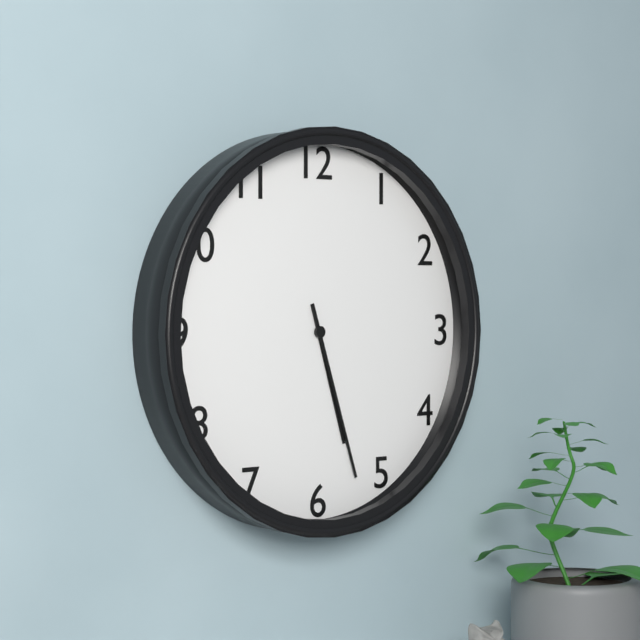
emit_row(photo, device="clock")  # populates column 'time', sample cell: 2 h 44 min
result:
5 h 27 min
